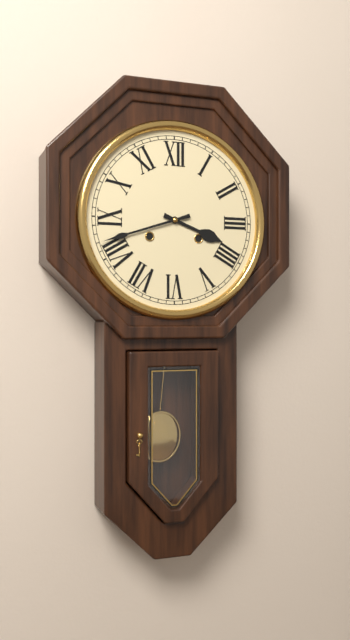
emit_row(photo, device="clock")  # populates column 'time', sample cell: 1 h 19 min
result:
3 h 42 min
